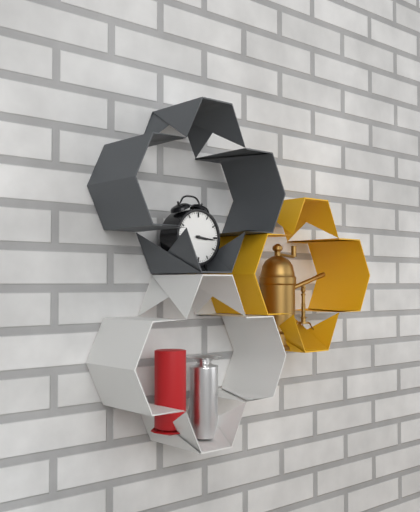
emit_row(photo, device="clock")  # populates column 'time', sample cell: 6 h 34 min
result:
3 h 16 min
